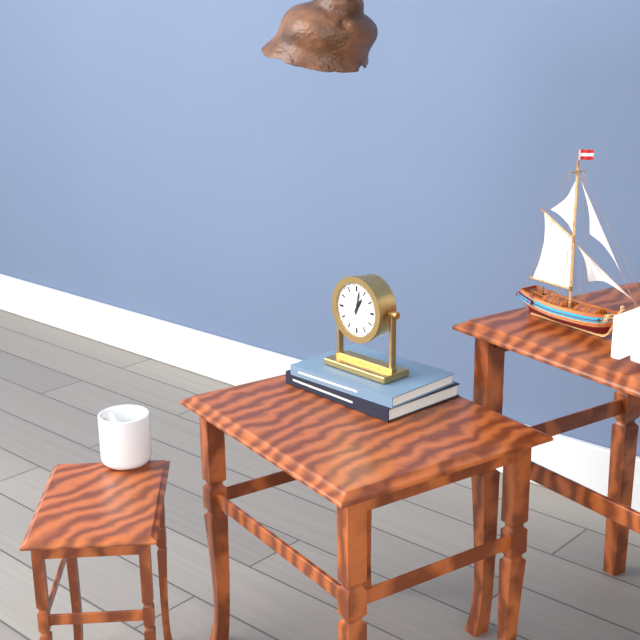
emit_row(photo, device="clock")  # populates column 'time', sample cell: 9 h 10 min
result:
1 h 02 min
